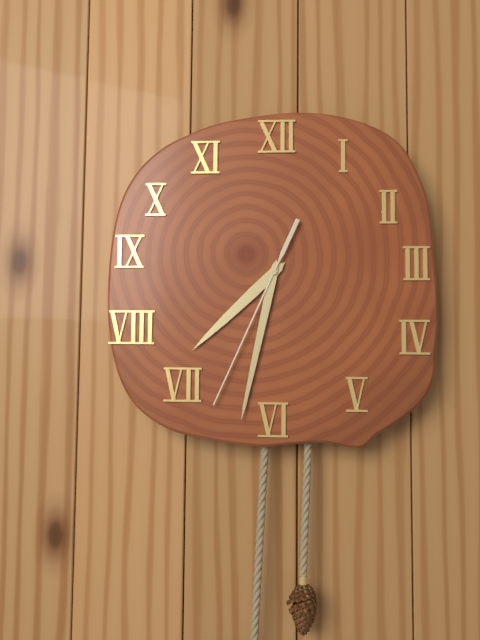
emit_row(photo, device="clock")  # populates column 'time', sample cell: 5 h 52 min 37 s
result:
7 h 32 min 34 s
